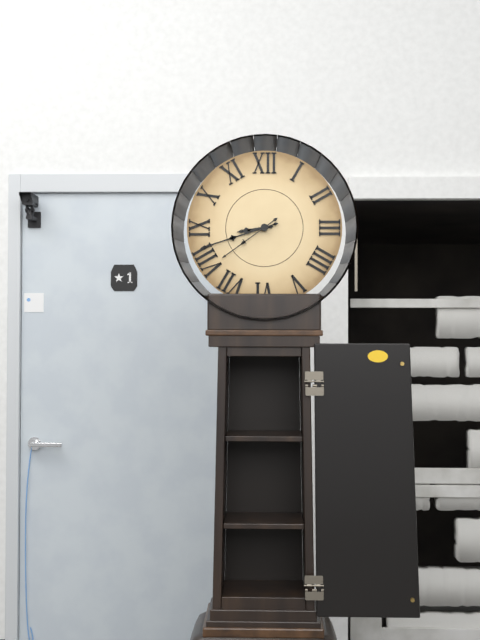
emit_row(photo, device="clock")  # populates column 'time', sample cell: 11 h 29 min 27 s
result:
8 h 42 min 39 s
